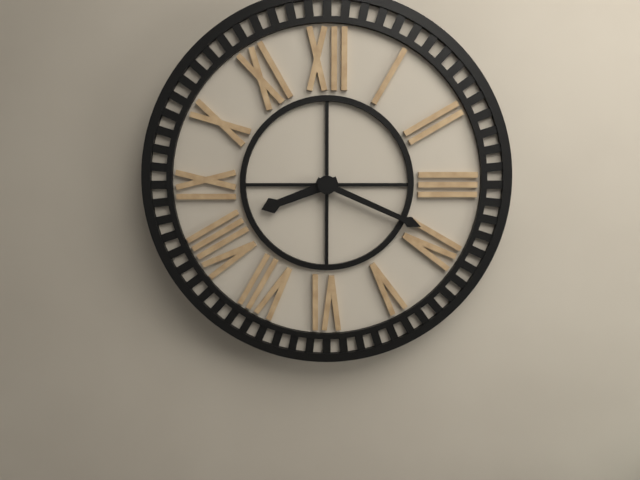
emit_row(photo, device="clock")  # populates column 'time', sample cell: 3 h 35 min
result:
8 h 19 min
